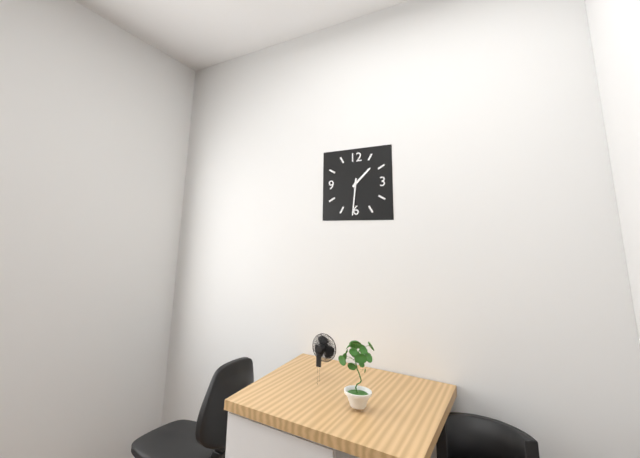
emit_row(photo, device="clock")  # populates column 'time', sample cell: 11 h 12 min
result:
1 h 31 min
